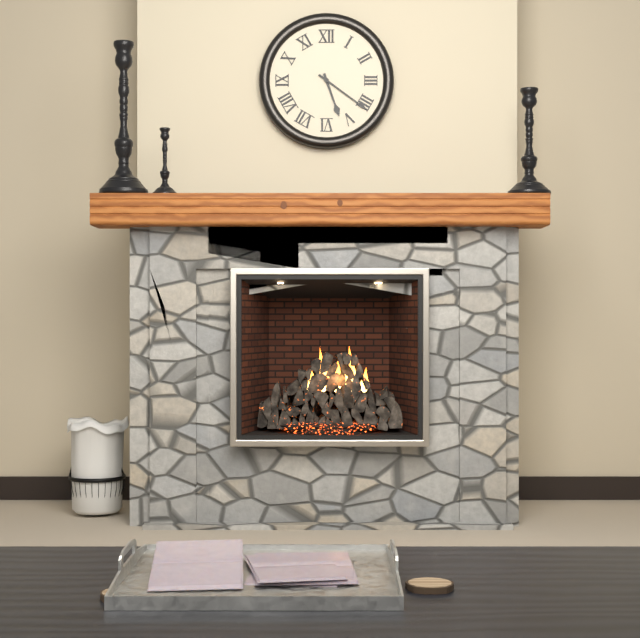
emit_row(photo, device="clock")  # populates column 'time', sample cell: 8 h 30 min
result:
5 h 21 min
